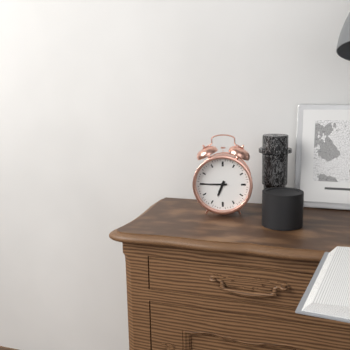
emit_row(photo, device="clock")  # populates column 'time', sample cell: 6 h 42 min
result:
6 h 45 min
